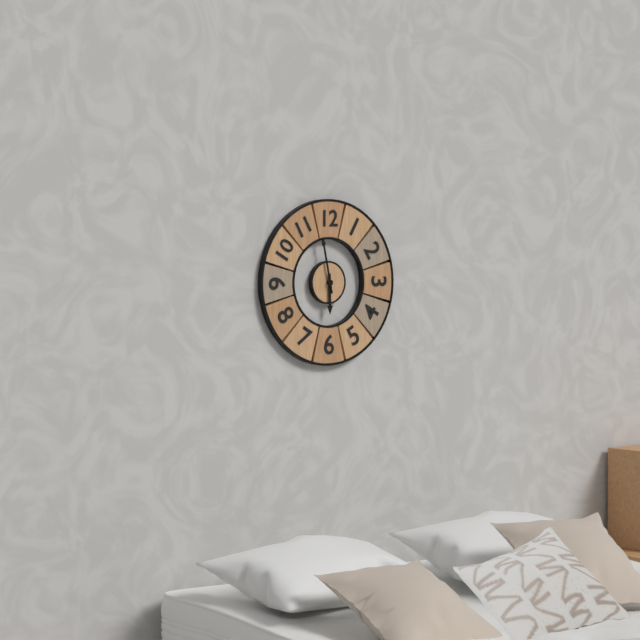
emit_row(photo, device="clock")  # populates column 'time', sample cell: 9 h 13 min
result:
5 h 58 min
